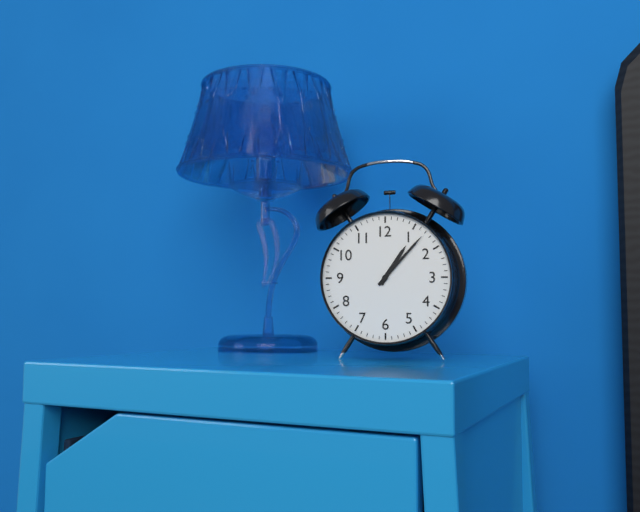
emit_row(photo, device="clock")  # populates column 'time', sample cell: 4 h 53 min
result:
1 h 07 min
